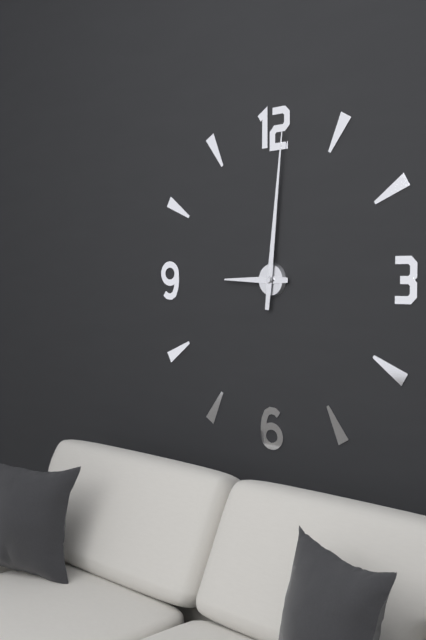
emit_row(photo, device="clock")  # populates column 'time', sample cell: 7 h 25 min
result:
9 h 01 min
